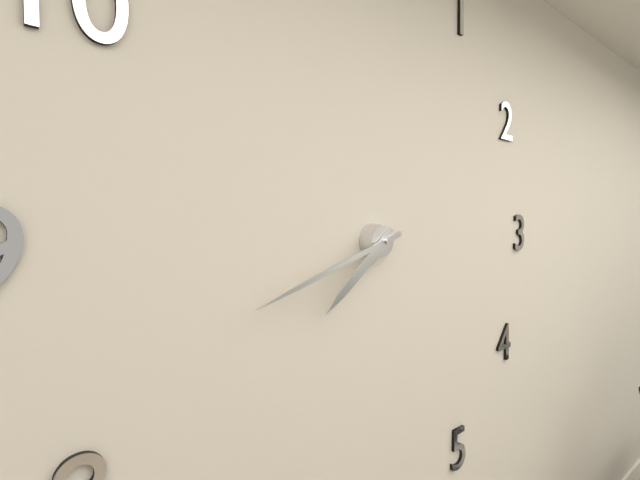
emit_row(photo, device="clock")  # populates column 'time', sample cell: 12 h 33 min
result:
7 h 42 min
